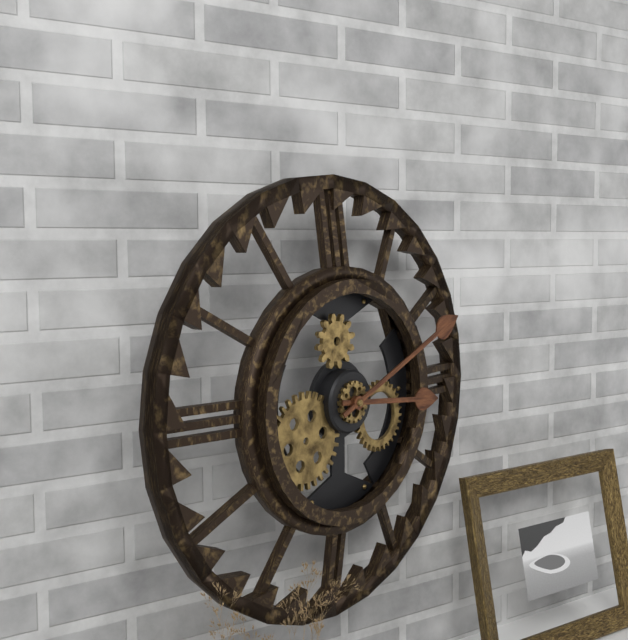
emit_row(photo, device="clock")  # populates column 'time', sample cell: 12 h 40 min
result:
3 h 11 min
